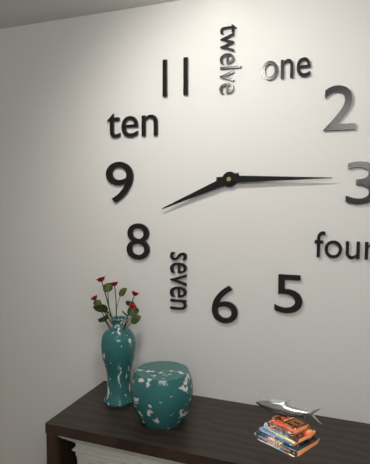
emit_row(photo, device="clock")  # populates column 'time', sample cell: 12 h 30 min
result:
8 h 15 min
